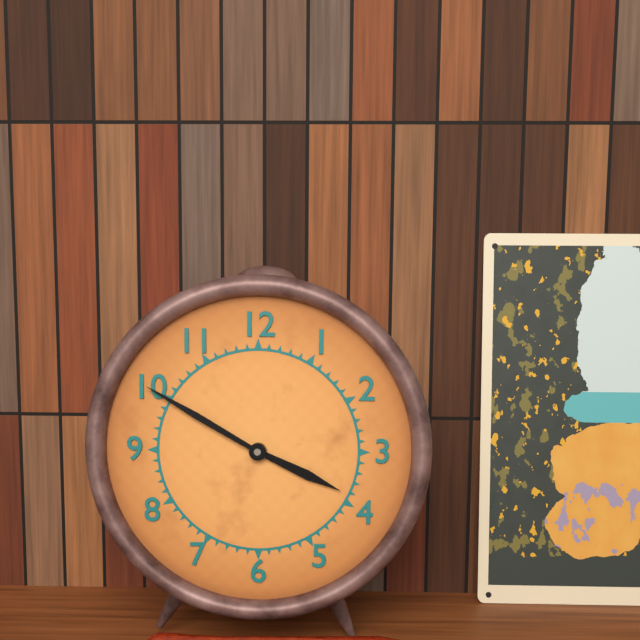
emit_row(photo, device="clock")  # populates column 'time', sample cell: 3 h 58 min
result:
3 h 50 min
